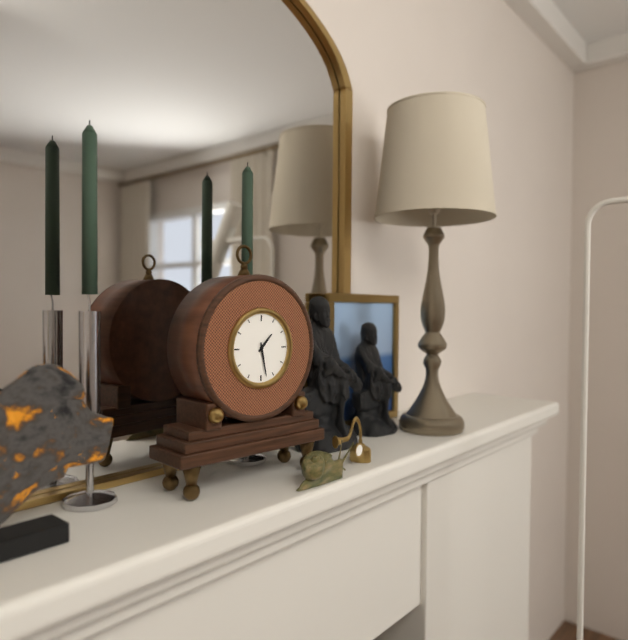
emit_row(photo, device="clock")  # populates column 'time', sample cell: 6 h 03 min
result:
1 h 28 min
